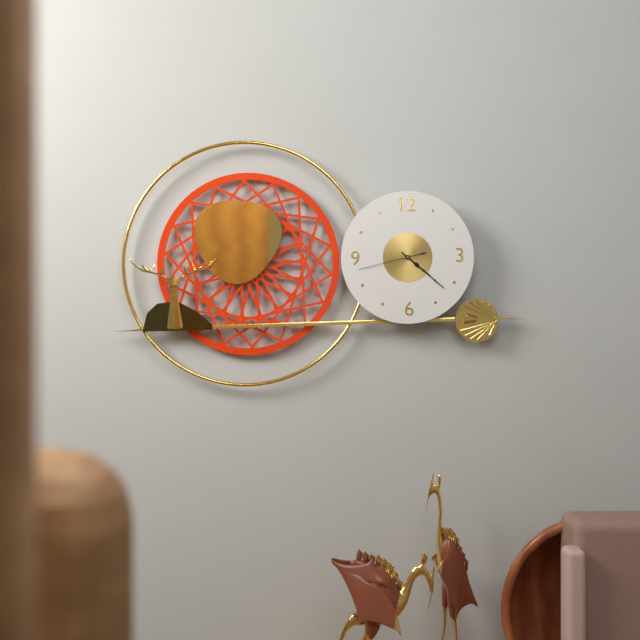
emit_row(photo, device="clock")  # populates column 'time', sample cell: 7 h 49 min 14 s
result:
4 h 22 min 43 s
